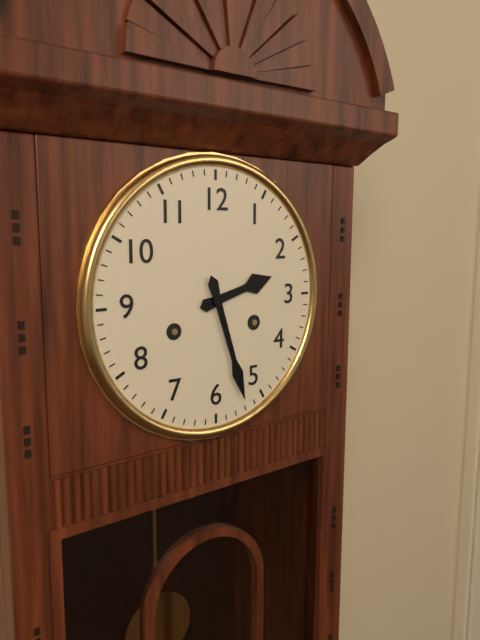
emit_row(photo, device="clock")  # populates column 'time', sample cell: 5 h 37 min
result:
2 h 27 min
